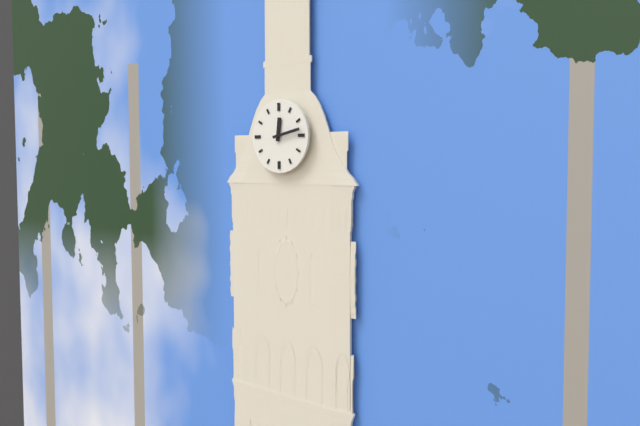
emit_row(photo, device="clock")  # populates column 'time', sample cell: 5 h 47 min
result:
12 h 13 min
